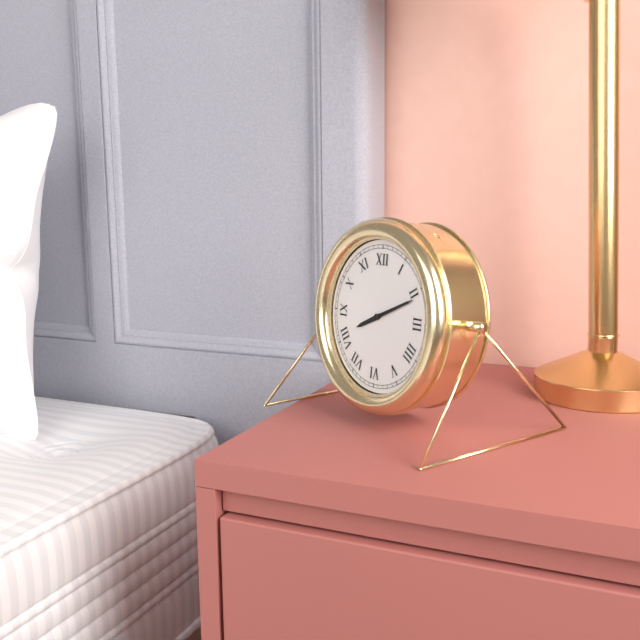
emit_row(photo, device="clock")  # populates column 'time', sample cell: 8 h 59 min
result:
8 h 11 min
